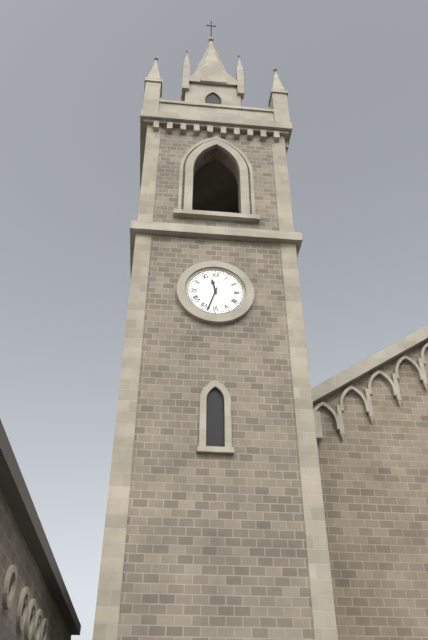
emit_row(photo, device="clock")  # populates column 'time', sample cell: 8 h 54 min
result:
11 h 33 min
